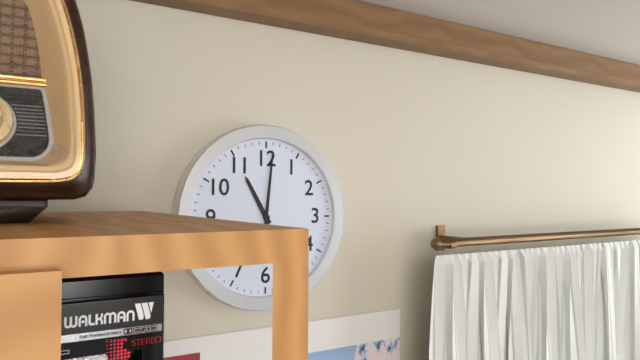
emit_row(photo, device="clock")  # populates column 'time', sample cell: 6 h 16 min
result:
11 h 01 min
